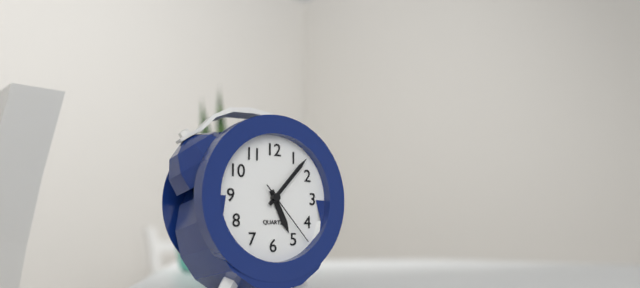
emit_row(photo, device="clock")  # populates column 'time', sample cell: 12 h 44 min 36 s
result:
5 h 07 min 23 s
